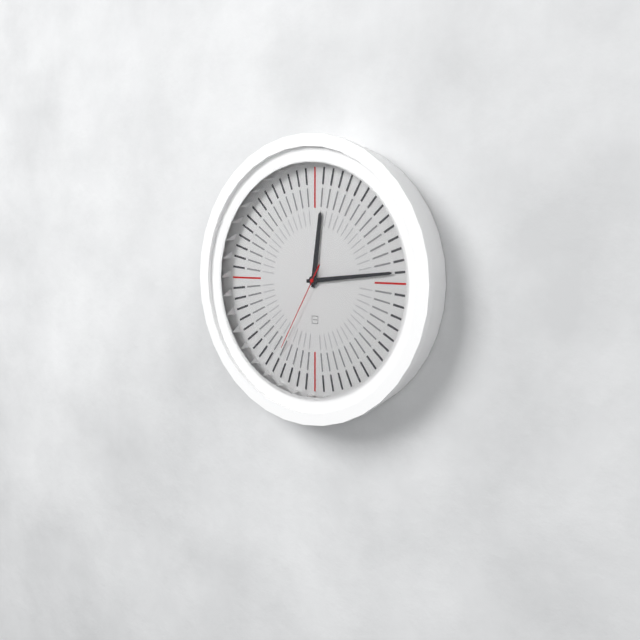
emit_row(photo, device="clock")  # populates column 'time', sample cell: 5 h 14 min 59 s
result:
12 h 14 min 35 s
